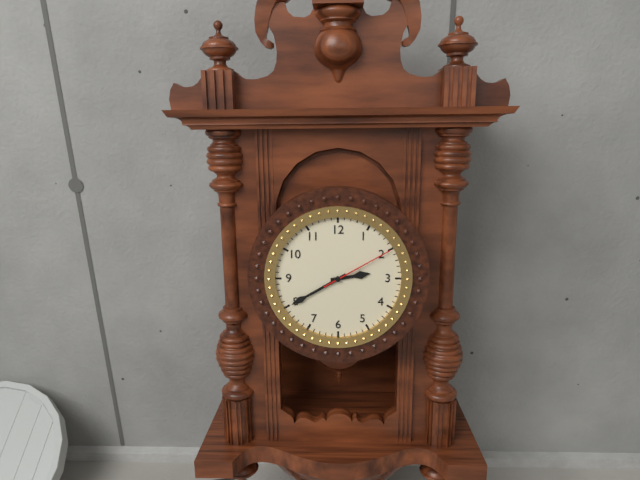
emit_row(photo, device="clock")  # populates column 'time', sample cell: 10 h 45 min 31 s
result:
2 h 40 min 10 s
